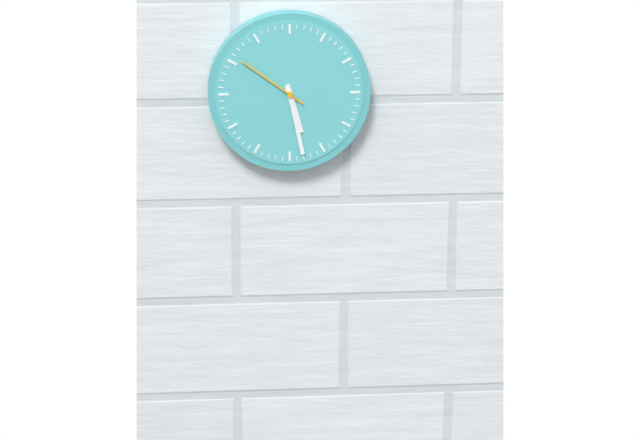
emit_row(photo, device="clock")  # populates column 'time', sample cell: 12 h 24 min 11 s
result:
5 h 28 min 51 s
